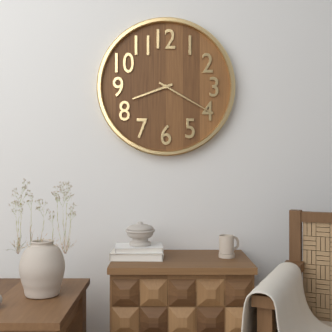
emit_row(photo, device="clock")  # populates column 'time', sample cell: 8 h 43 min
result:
8 h 20 min
